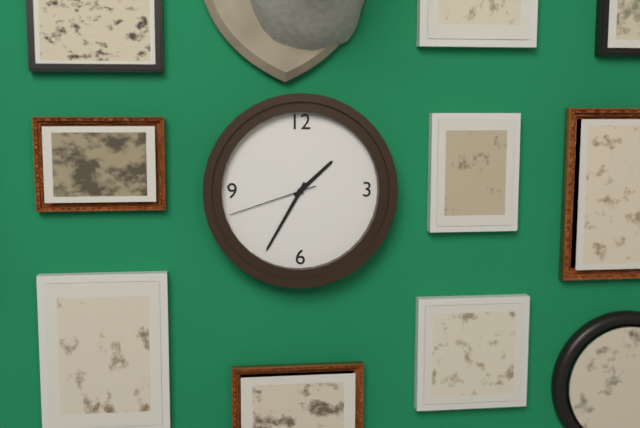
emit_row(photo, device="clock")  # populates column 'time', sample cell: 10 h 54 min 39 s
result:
1 h 35 min 42 s
